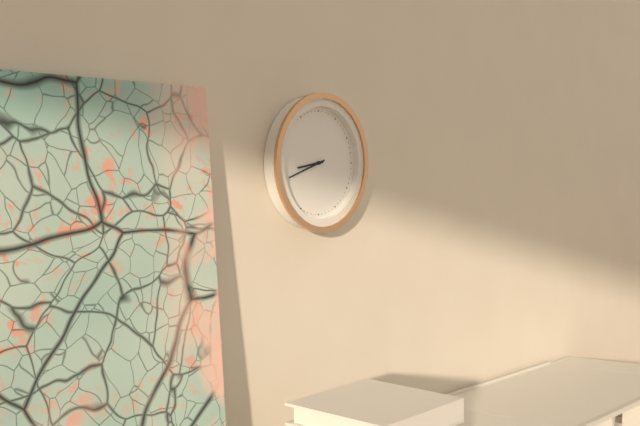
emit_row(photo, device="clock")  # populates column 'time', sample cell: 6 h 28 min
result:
8 h 42 min
